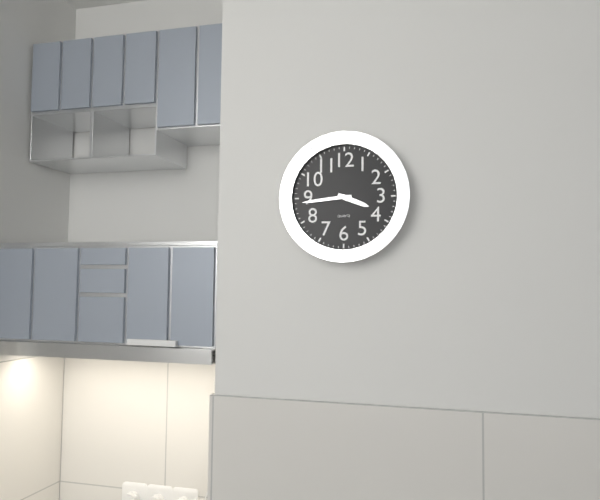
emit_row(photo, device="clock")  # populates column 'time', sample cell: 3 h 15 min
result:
3 h 44 min
